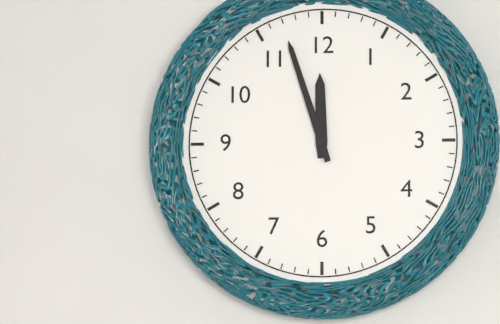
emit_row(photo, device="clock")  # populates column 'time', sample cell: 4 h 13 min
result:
11 h 57 min
